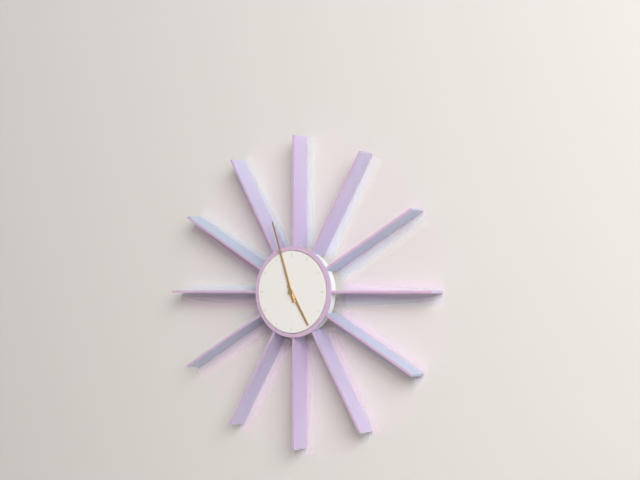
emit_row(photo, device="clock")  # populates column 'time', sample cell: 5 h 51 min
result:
4 h 57 min
